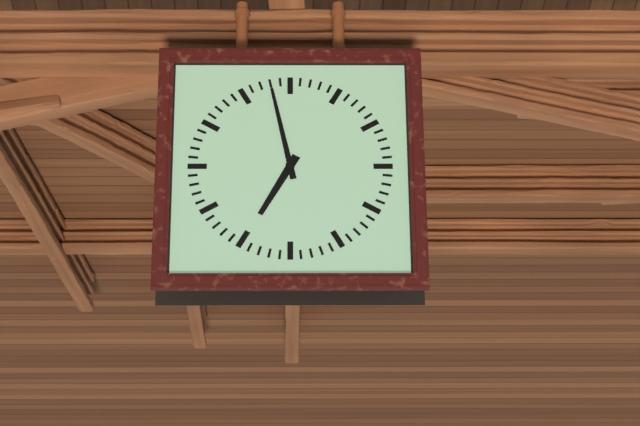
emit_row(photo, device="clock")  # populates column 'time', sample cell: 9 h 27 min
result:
6 h 58 min
